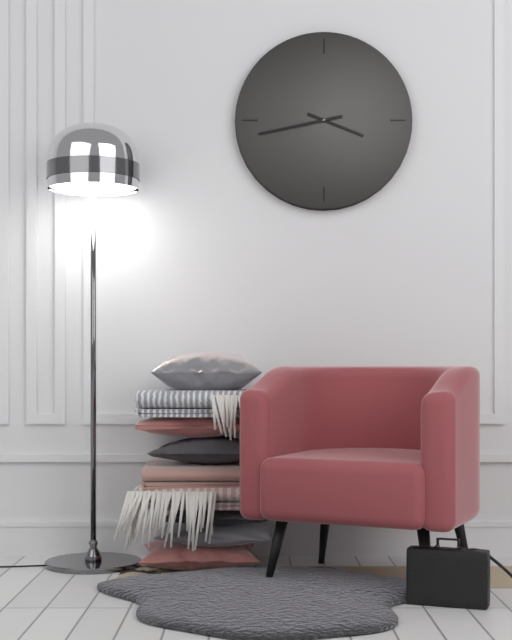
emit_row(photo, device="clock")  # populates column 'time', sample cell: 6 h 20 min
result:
3 h 43 min
